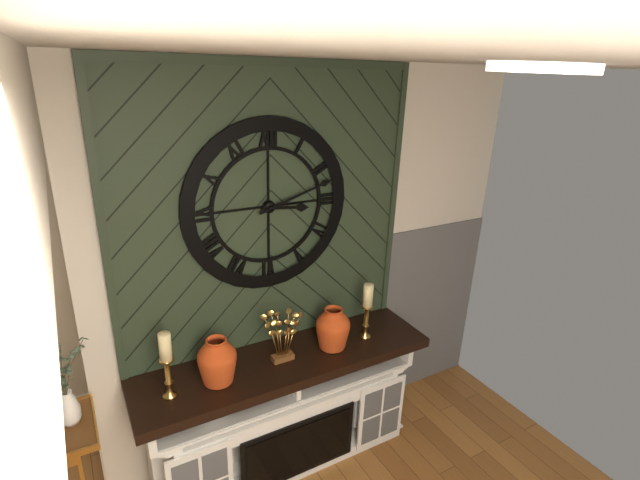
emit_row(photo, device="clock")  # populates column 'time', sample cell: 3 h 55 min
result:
3 h 12 min
